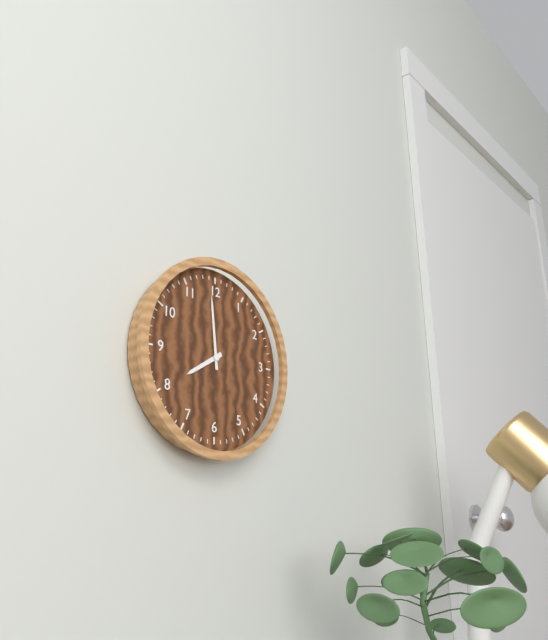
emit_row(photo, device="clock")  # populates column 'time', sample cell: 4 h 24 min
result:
7 h 59 min
